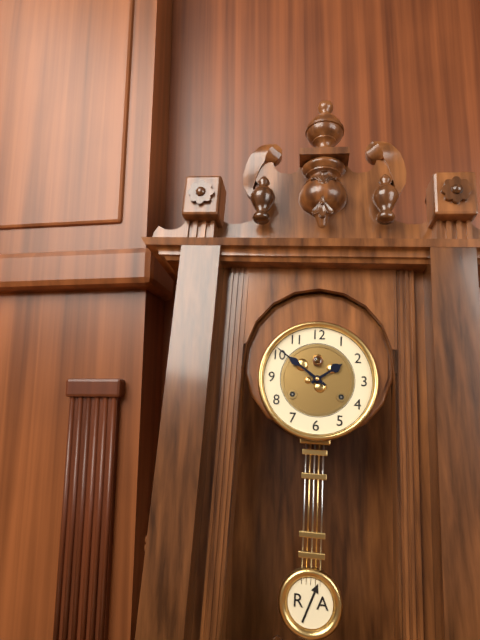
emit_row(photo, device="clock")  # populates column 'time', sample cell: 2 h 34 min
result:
1 h 51 min
